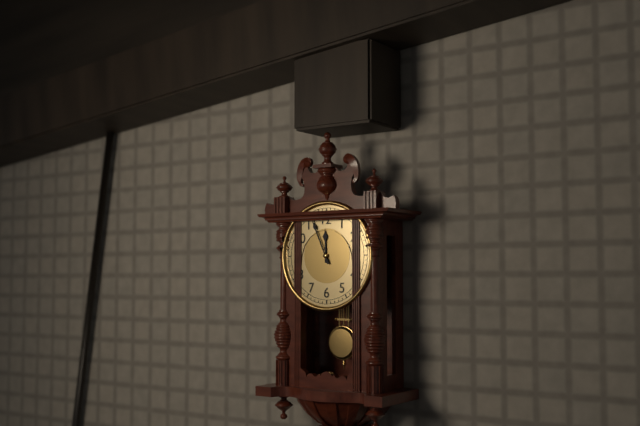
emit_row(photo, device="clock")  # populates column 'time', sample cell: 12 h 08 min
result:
11 h 56 min
